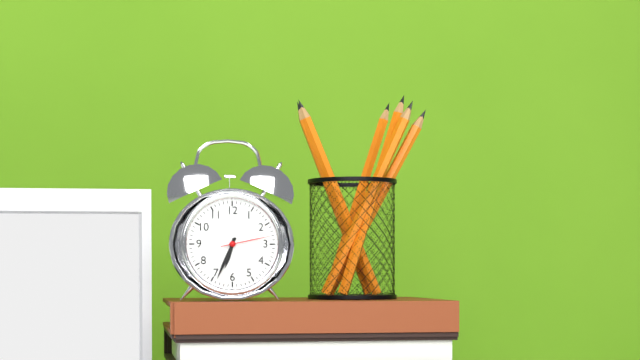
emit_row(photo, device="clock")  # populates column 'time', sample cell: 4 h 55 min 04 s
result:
6 h 34 min 13 s
